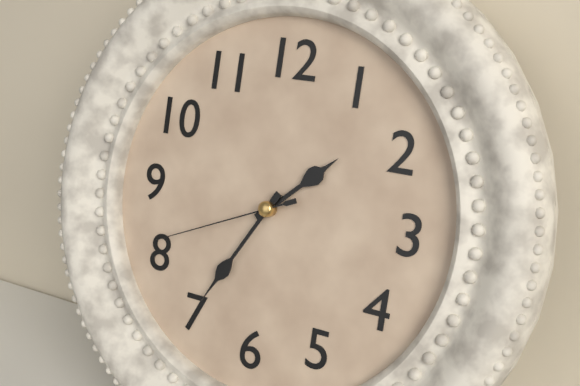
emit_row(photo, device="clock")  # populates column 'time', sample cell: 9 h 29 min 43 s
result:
1 h 35 min 41 s
